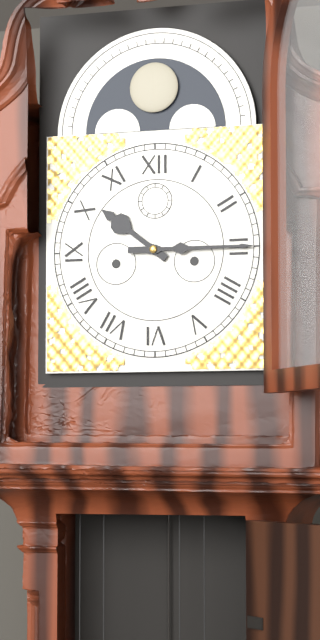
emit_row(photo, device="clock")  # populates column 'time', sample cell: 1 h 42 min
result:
10 h 15 min
